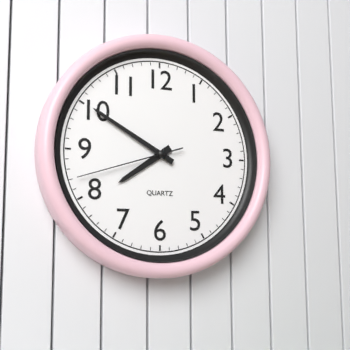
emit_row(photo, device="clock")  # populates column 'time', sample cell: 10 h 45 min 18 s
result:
7 h 50 min 42 s
